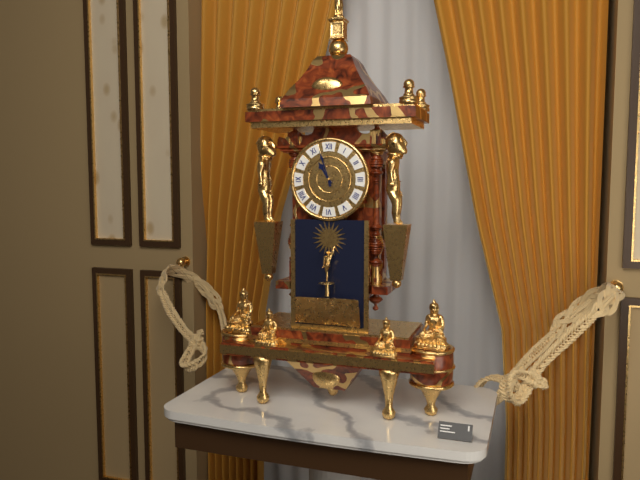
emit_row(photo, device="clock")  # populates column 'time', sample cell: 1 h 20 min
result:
10 h 57 min
